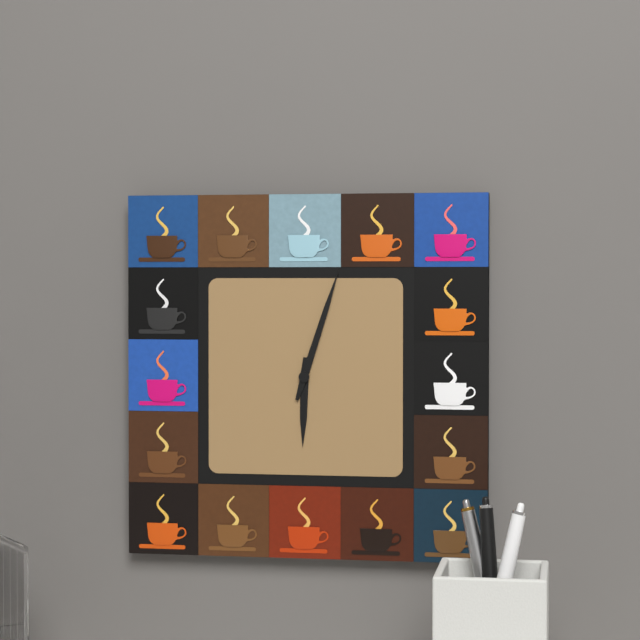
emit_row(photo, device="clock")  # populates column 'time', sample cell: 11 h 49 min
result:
6 h 03 min
